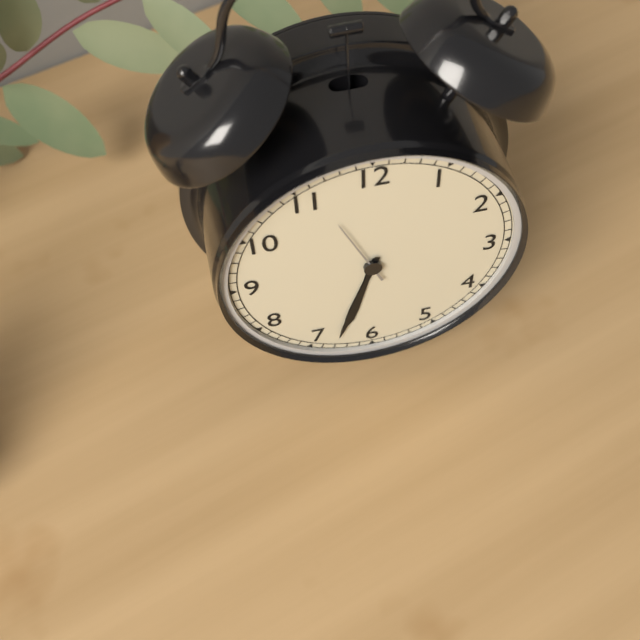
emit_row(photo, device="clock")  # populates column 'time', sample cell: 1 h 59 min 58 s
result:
6 h 33 min 56 s
